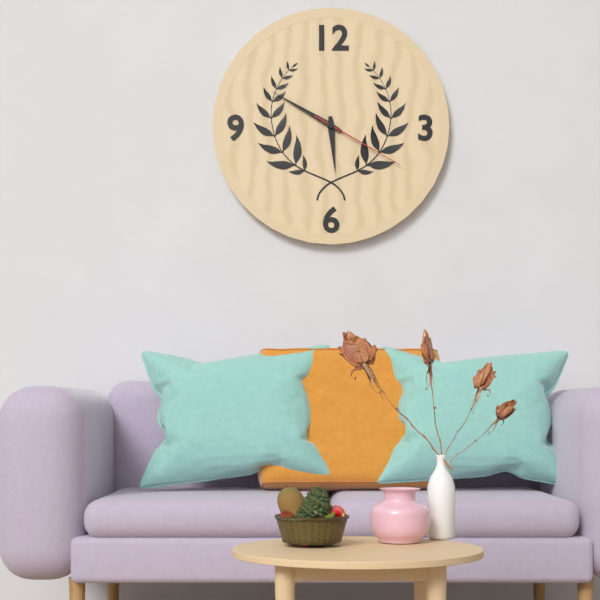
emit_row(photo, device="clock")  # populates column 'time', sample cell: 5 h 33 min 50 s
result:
5 h 50 min 20 s
